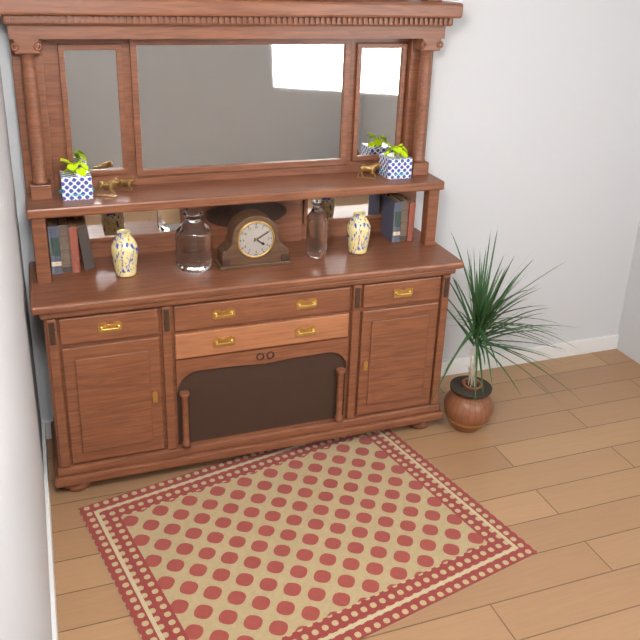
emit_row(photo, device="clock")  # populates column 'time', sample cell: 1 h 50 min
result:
4 h 10 min
